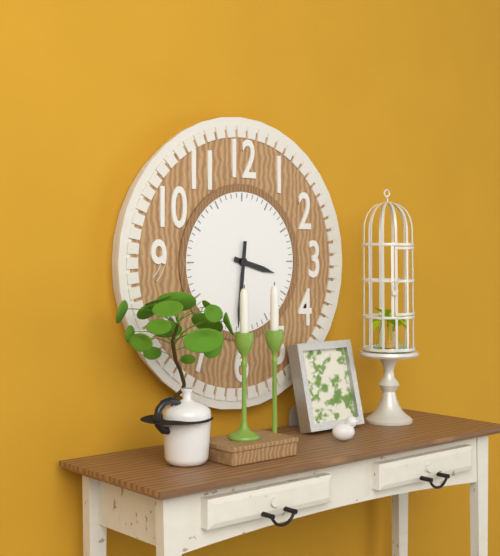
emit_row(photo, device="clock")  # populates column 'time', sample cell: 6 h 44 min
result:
3 h 31 min
